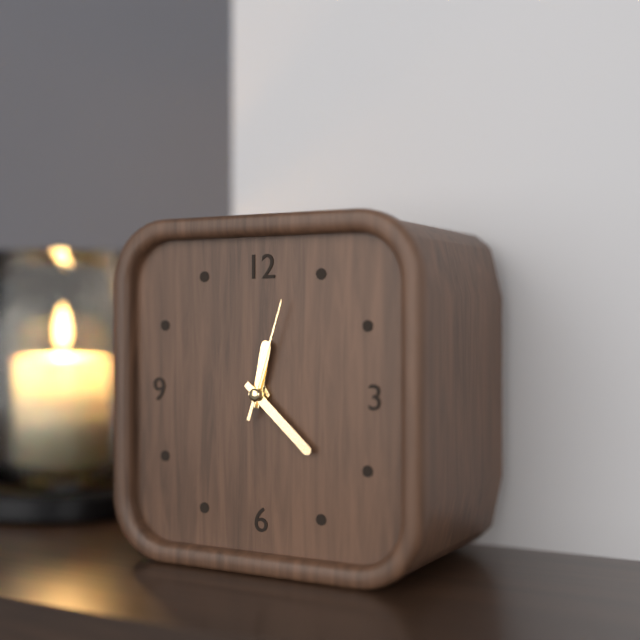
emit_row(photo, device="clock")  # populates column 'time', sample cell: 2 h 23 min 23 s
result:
12 h 22 min 03 s
